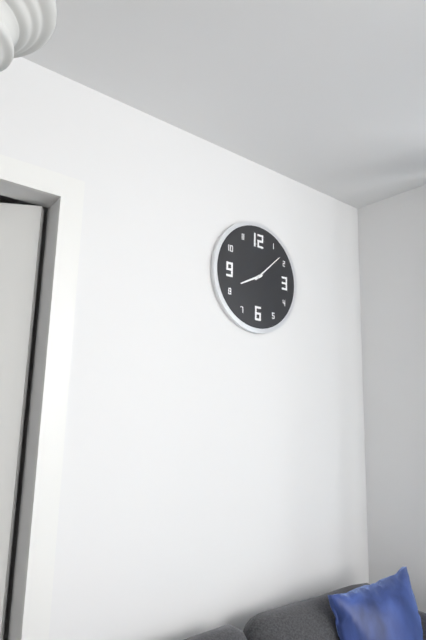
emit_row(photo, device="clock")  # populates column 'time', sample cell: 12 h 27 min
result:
8 h 08 min
